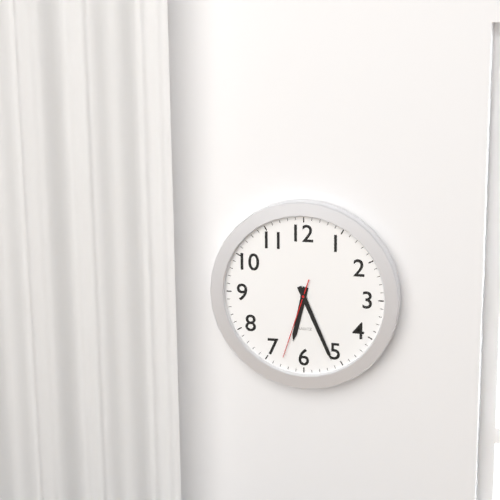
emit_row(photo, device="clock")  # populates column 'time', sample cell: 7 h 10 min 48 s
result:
6 h 26 min 33 s
